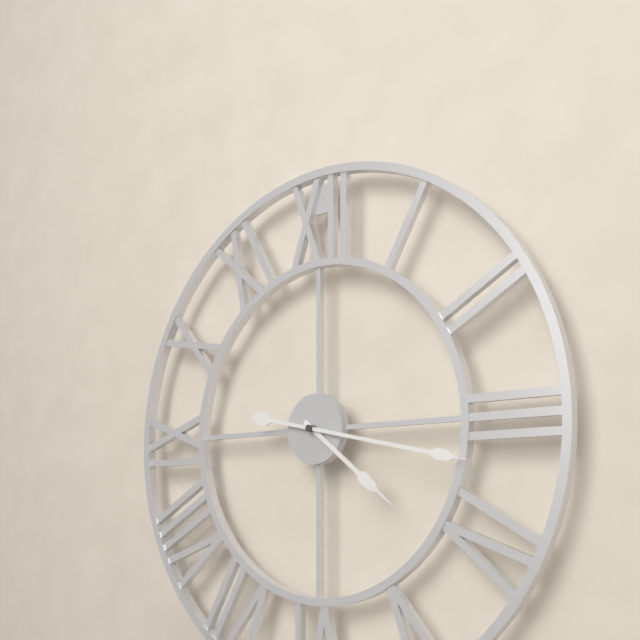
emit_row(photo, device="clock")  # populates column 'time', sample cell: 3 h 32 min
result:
4 h 17 min
